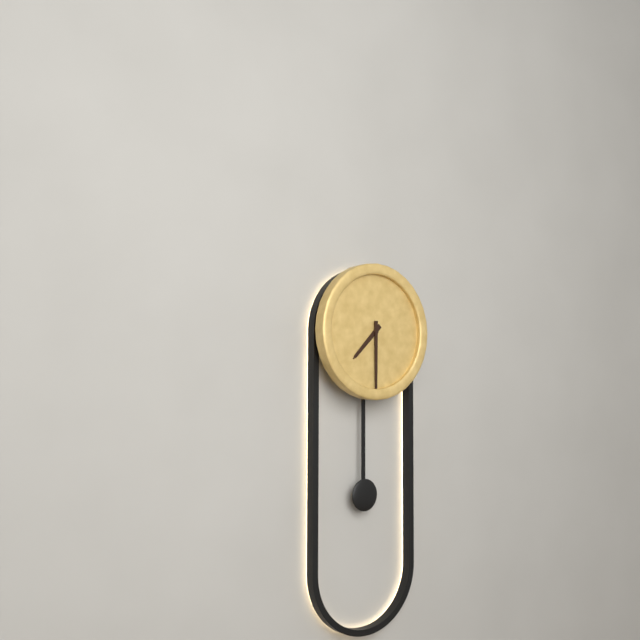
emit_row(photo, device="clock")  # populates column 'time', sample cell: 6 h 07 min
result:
7 h 30 min
